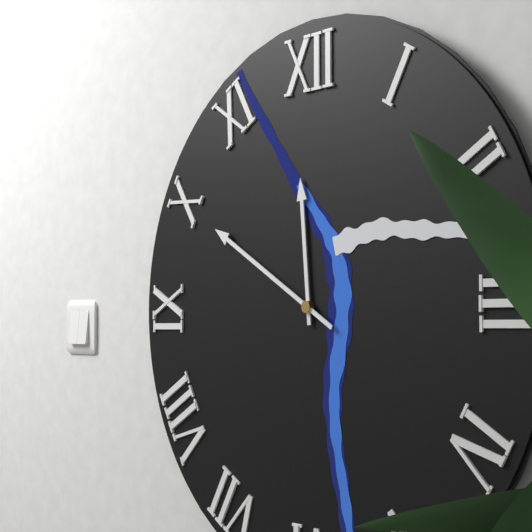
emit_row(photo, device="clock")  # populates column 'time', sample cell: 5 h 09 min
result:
11 h 50 min
